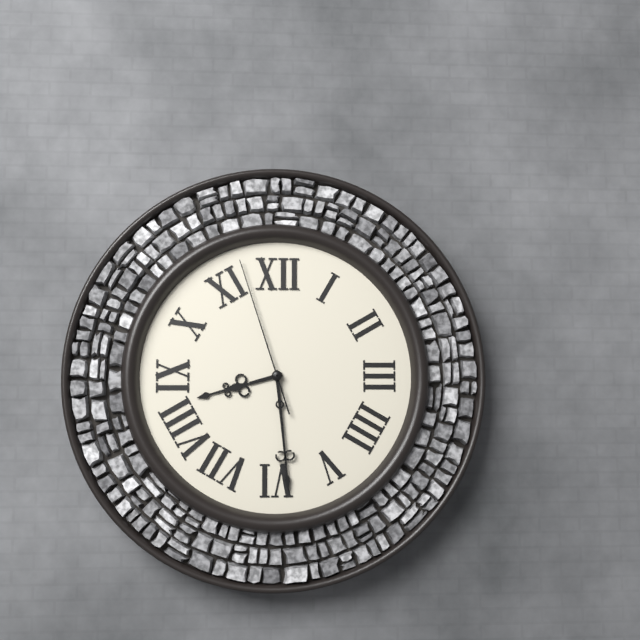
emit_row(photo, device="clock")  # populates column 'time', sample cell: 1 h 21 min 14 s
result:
8 h 29 min 57 s
